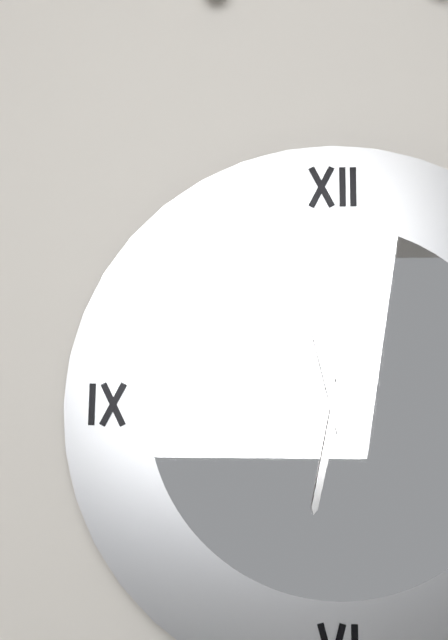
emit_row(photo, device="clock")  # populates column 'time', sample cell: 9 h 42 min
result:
11 h 32 min
